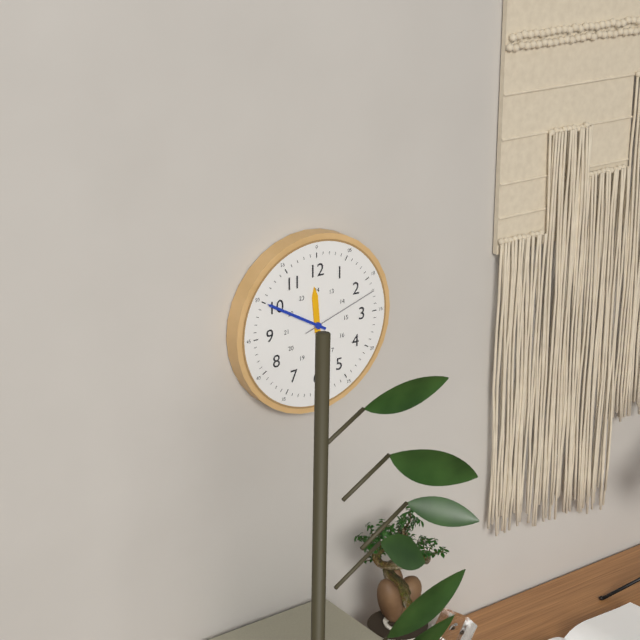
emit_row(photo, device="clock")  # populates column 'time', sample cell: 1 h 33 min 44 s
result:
11 h 50 min 12 s
